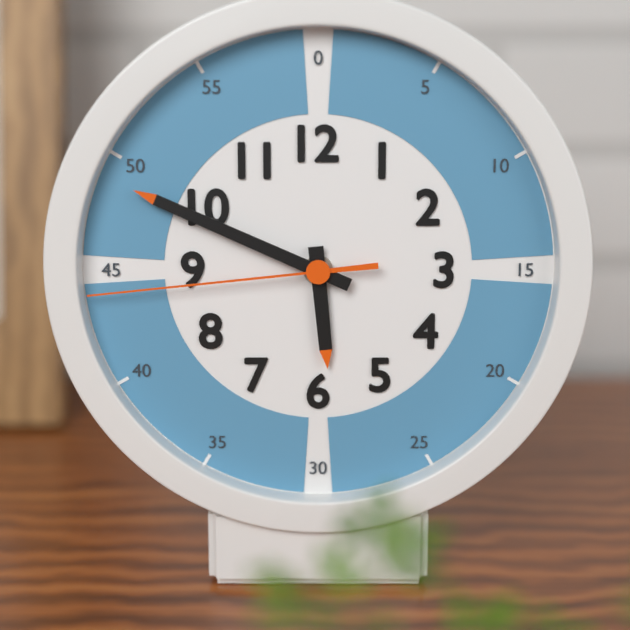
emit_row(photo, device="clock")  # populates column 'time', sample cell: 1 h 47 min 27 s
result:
5 h 49 min 44 s
